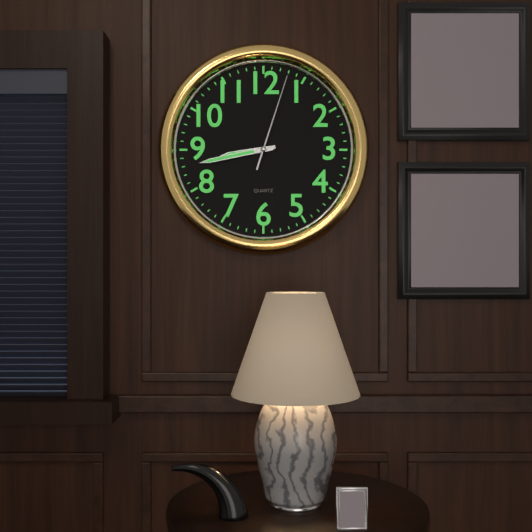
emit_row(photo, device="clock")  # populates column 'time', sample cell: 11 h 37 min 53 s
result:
8 h 43 min 03 s
